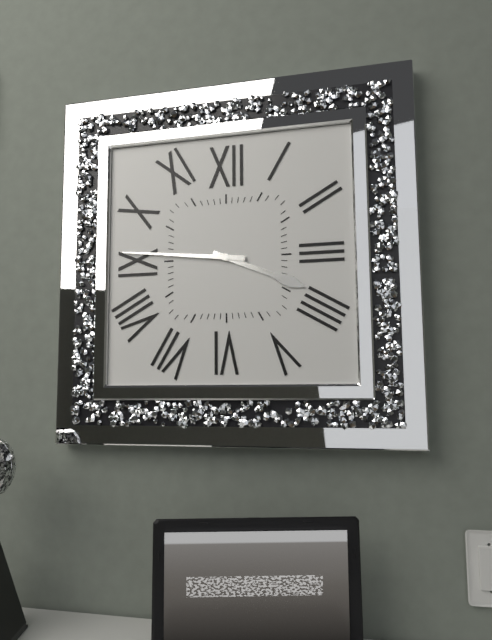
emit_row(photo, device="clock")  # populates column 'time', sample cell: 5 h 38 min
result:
3 h 46 min
